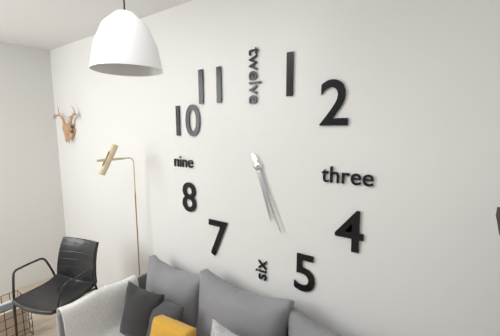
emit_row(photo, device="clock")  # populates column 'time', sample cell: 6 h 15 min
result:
5 h 26 min
